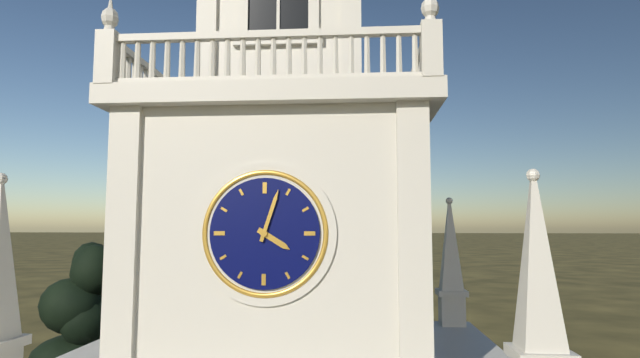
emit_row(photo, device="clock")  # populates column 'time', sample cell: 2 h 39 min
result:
4 h 03 min
